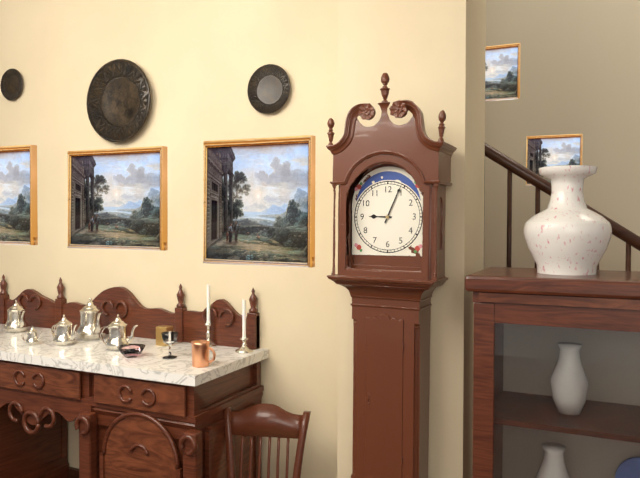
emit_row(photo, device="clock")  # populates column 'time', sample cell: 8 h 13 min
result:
9 h 04 min
